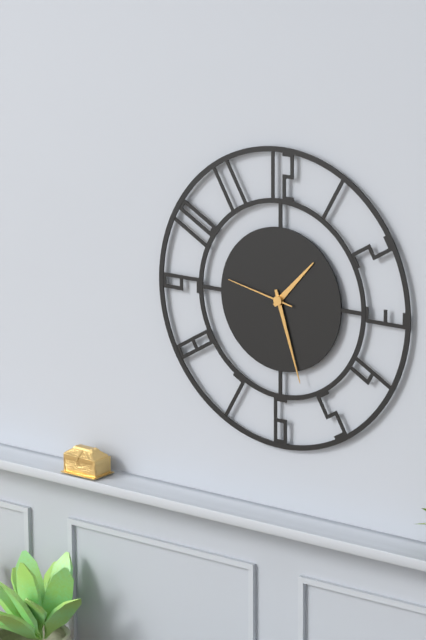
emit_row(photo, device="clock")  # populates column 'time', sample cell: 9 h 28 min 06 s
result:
1 h 27 min 47 s
